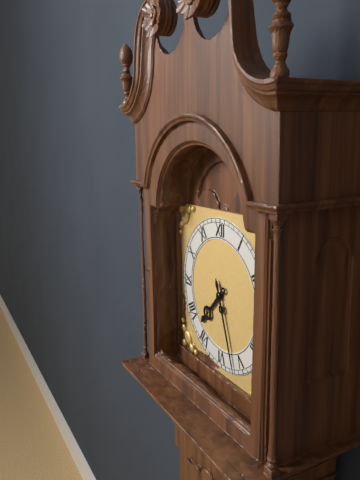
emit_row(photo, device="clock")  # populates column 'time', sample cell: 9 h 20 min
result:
7 h 27 min
